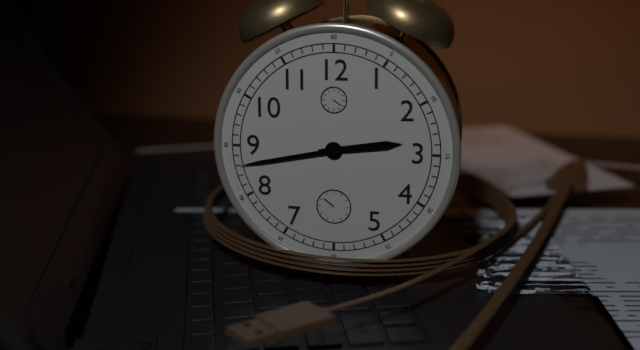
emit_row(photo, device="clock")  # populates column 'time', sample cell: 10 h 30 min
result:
2 h 43 min
